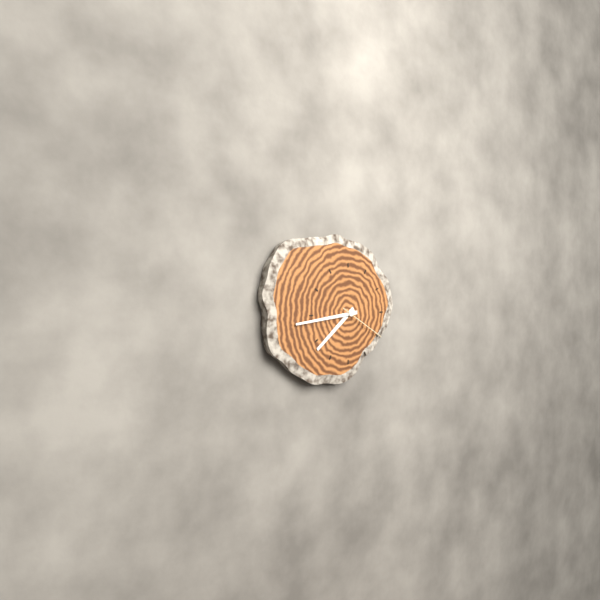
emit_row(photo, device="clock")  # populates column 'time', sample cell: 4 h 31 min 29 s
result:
7 h 44 min 20 s
